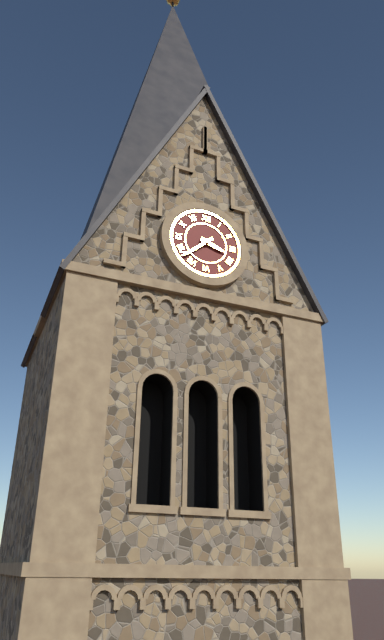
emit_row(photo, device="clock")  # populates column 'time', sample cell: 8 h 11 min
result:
3 h 38 min
